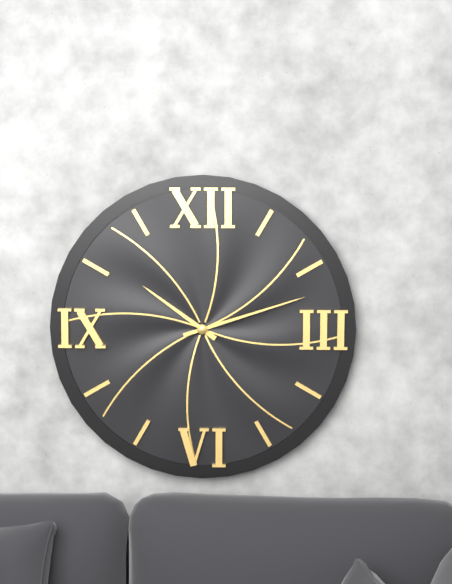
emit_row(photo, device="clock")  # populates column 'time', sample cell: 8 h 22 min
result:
10 h 12 min
